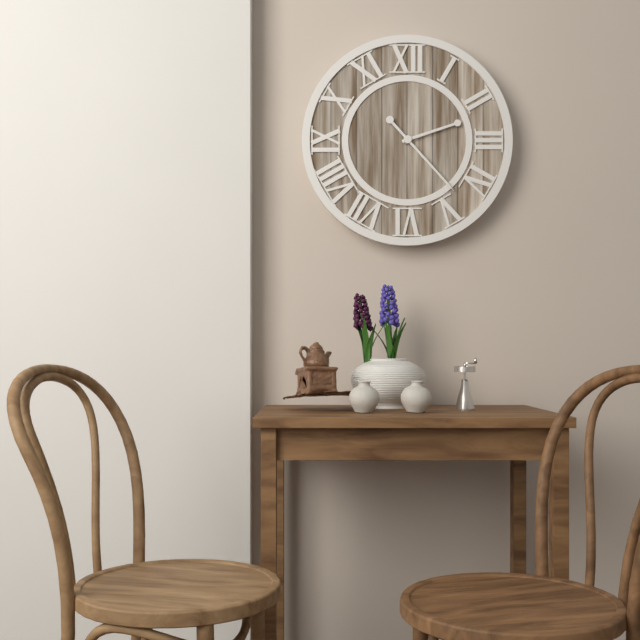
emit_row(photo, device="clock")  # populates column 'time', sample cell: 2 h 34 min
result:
2 h 23 min
